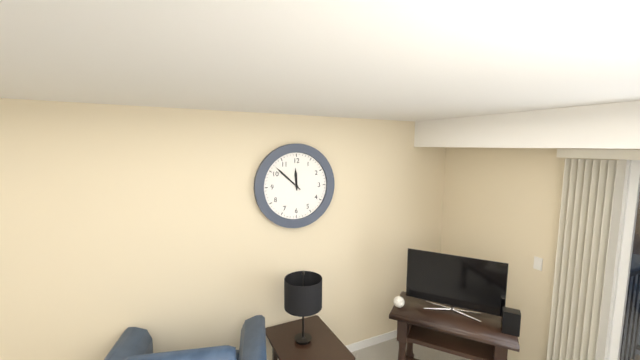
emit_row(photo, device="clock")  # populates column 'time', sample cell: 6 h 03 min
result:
11 h 52 min
